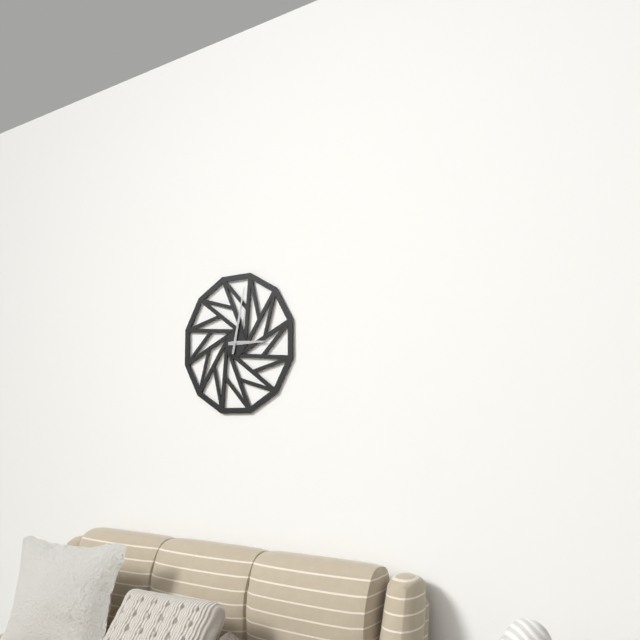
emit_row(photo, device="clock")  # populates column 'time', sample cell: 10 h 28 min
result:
3 h 02 min
